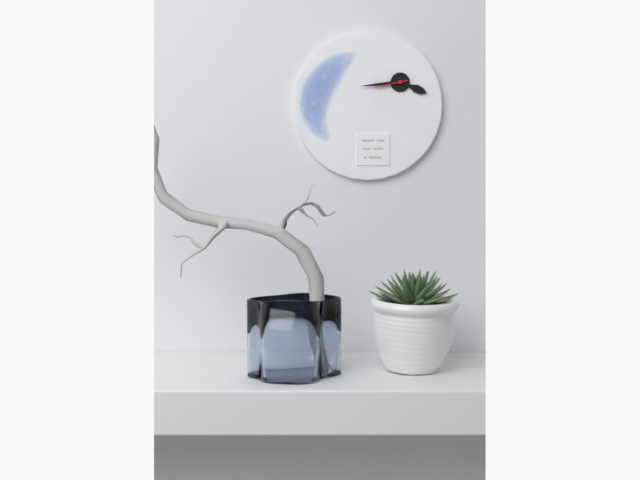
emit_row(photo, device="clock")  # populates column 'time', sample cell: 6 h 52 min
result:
3 h 44 min
